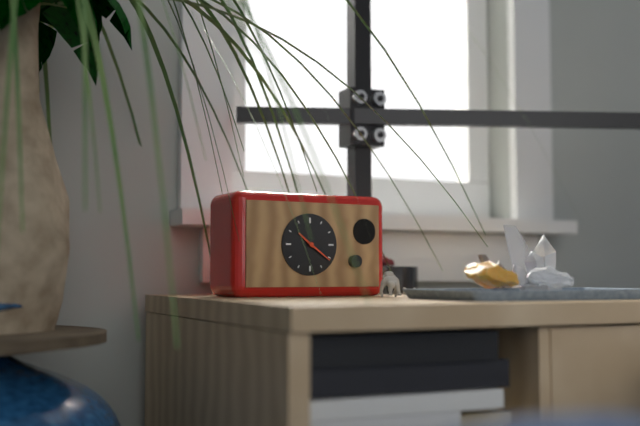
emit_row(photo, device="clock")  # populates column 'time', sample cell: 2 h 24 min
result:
10 h 21 min
